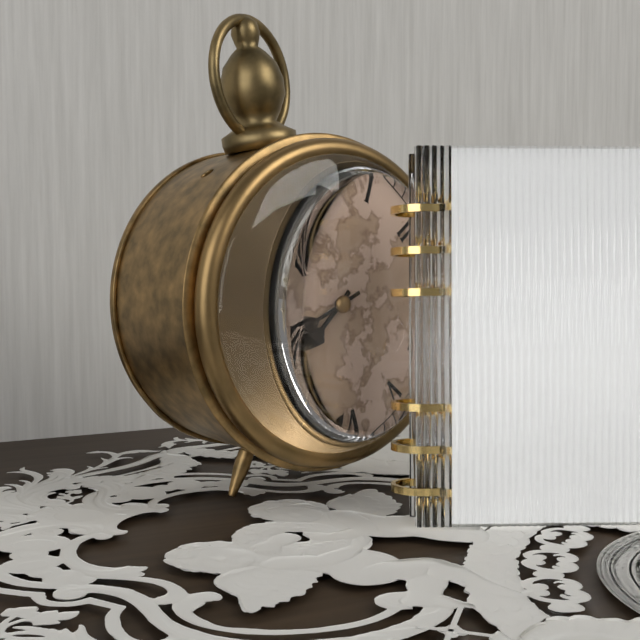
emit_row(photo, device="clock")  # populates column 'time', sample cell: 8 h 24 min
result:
7 h 42 min
